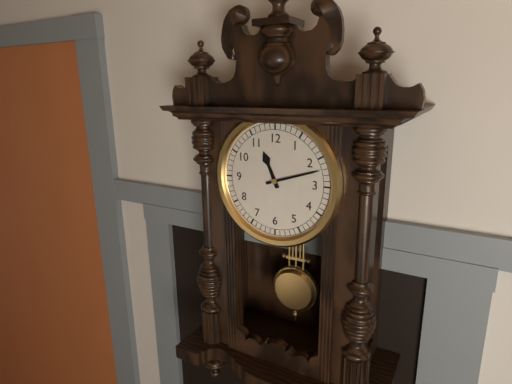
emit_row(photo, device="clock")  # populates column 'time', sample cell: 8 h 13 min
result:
11 h 12 min
